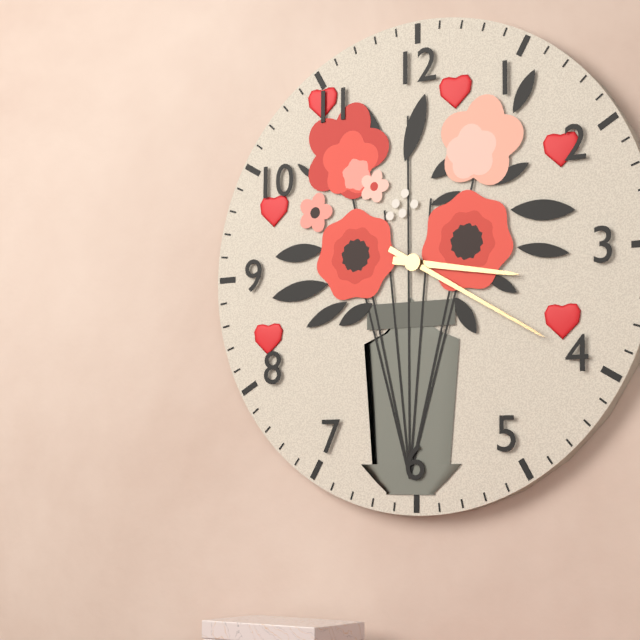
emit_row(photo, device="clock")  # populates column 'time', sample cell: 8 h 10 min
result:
3 h 20 min
